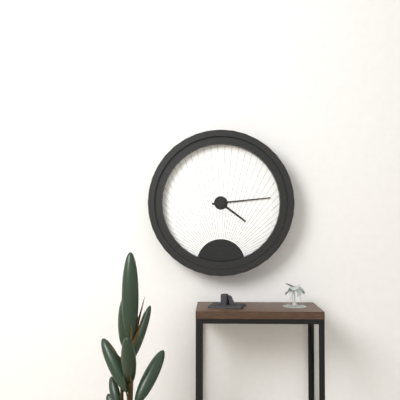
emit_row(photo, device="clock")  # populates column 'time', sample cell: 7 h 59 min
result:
4 h 14 min
